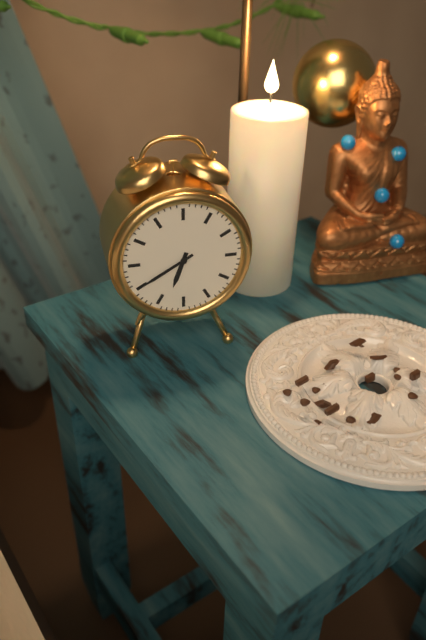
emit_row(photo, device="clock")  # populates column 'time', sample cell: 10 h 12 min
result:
6 h 40 min
